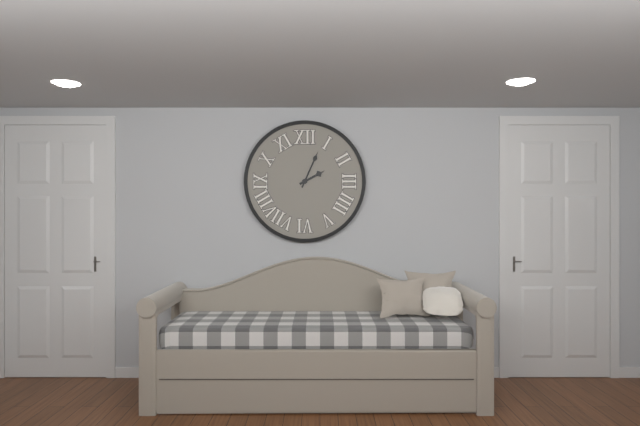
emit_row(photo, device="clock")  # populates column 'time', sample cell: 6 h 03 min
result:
2 h 04 min
